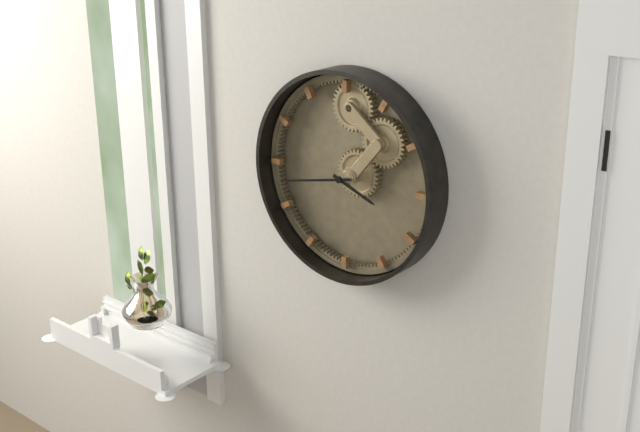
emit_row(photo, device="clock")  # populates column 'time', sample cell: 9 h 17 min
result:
3 h 43 min
